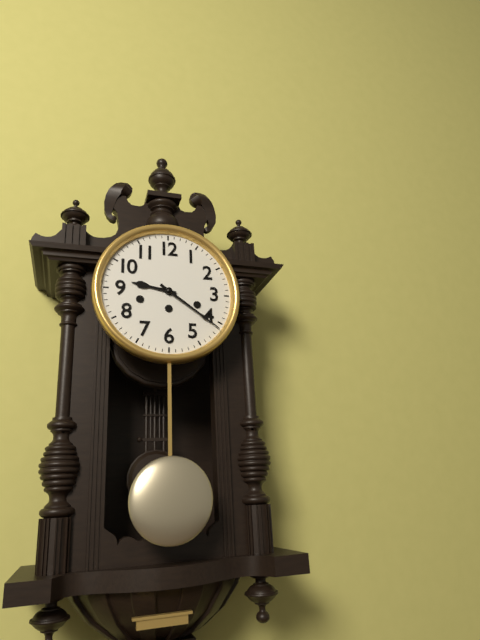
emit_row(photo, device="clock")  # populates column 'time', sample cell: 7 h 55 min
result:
9 h 21 min
